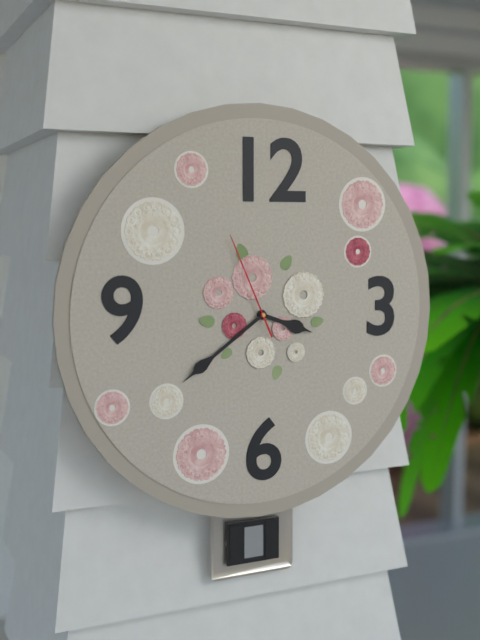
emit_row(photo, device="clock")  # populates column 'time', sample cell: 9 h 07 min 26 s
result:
3 h 39 min 56 s
